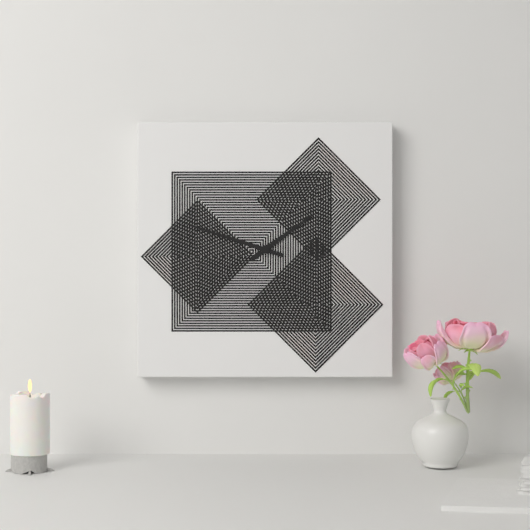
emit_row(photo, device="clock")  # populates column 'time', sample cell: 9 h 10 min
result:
1 h 48 min
